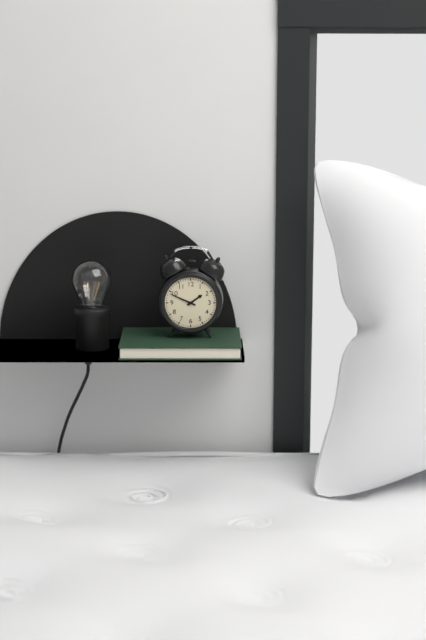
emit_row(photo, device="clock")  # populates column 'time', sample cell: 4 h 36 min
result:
1 h 49 min
